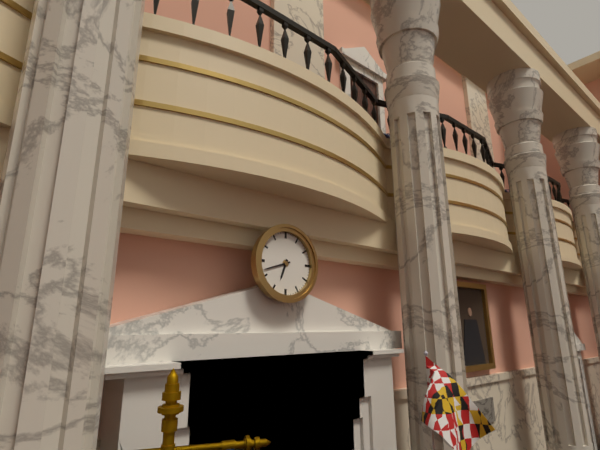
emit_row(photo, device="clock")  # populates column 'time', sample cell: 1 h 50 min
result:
6 h 42 min
